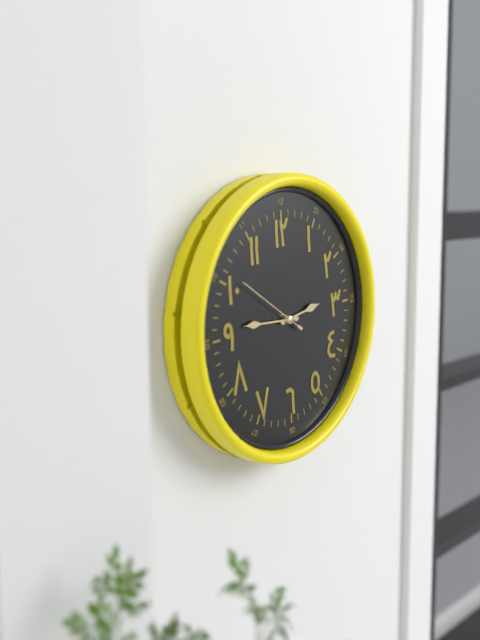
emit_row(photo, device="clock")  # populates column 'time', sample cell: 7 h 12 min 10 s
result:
2 h 46 min 51 s
